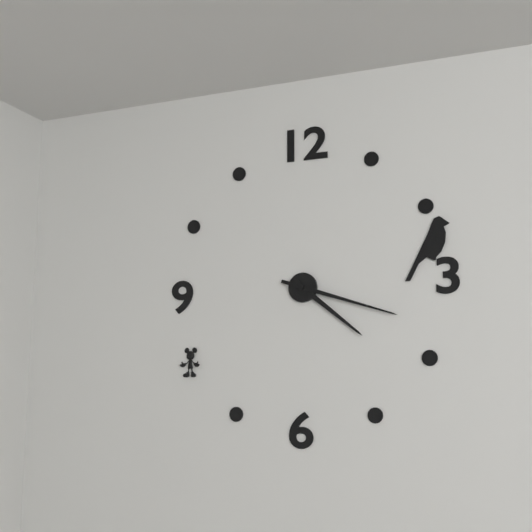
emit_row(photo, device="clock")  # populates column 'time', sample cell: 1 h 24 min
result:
4 h 18 min
